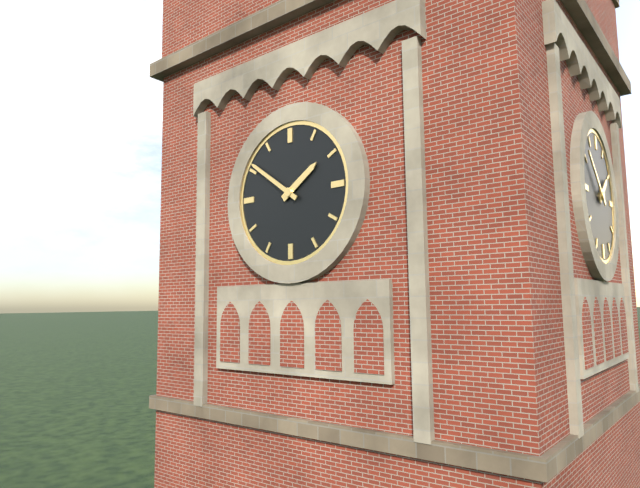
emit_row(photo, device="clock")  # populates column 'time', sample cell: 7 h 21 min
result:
1 h 51 min
